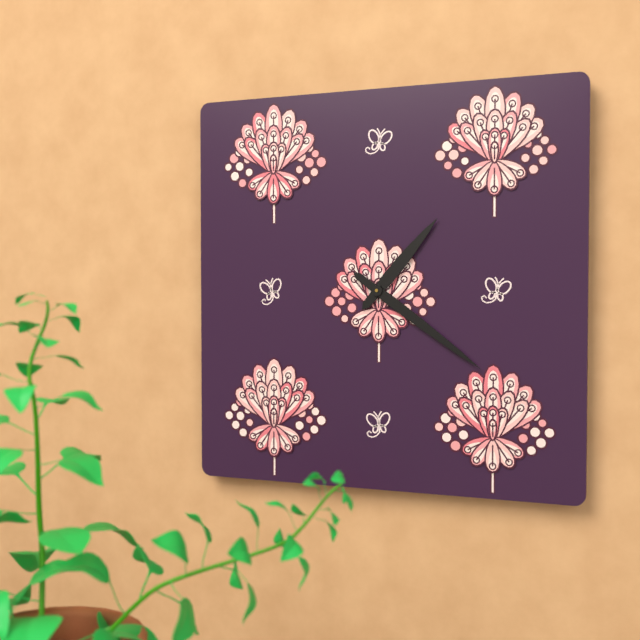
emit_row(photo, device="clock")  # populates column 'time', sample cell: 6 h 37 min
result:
1 h 21 min
